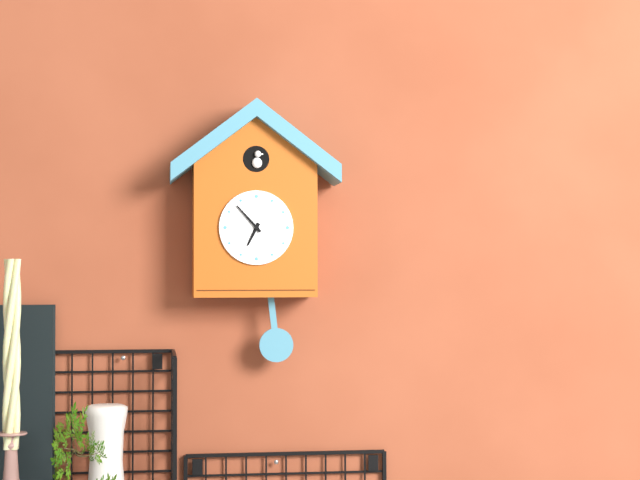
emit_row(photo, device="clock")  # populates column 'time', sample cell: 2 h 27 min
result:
6 h 53 min
